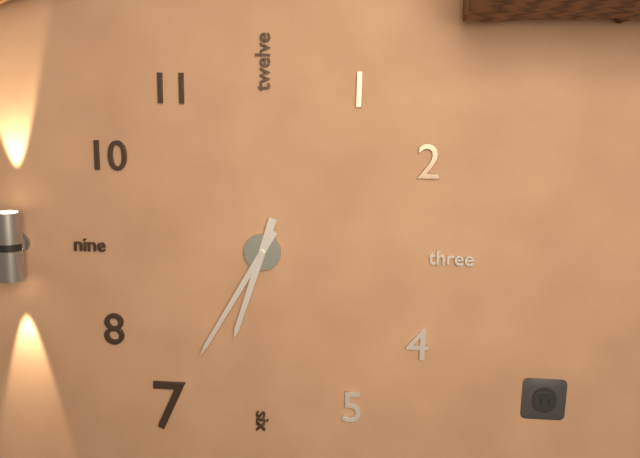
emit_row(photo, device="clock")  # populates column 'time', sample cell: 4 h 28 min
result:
6 h 35 min
